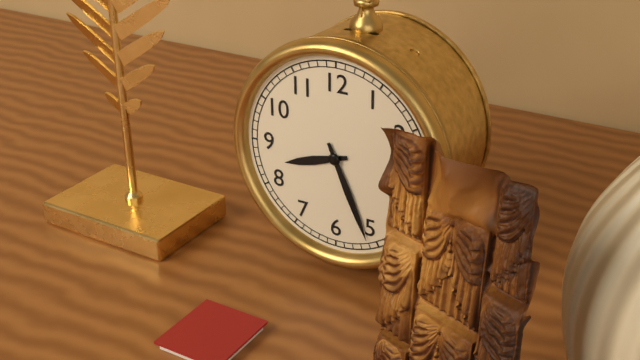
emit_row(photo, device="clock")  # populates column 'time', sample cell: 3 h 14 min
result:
8 h 26 min
